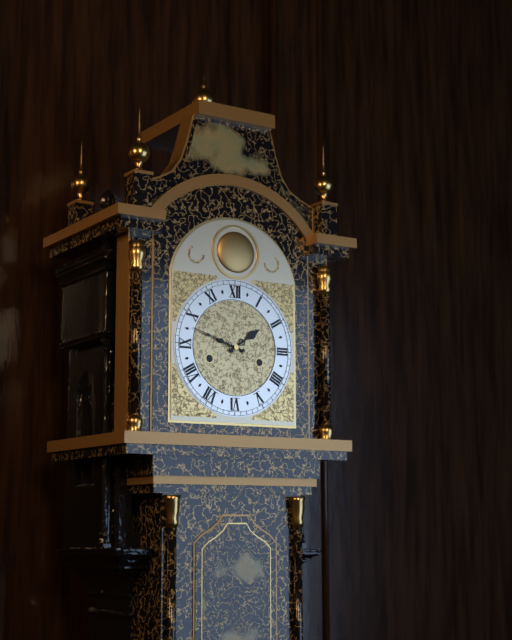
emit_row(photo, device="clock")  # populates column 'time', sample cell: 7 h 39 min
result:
1 h 48 min
